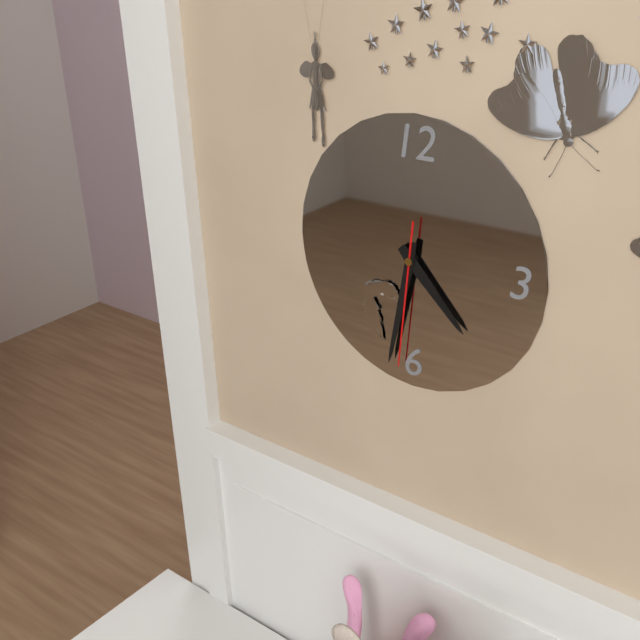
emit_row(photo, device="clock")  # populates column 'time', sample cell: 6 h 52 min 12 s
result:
4 h 32 min 31 s
